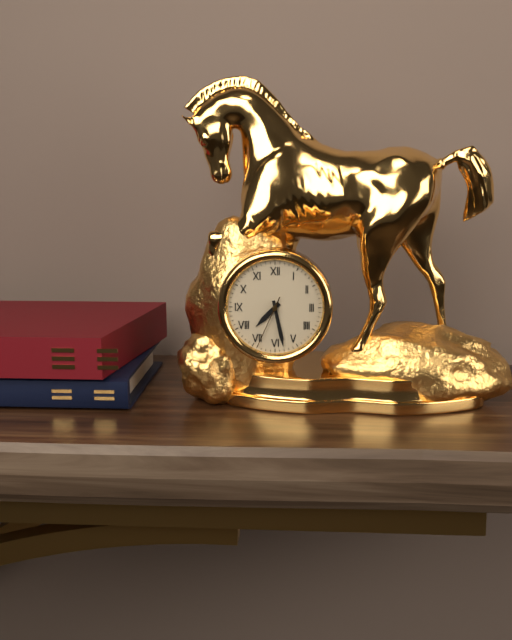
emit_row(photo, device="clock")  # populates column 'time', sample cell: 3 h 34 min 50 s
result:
7 h 28 min 34 s
